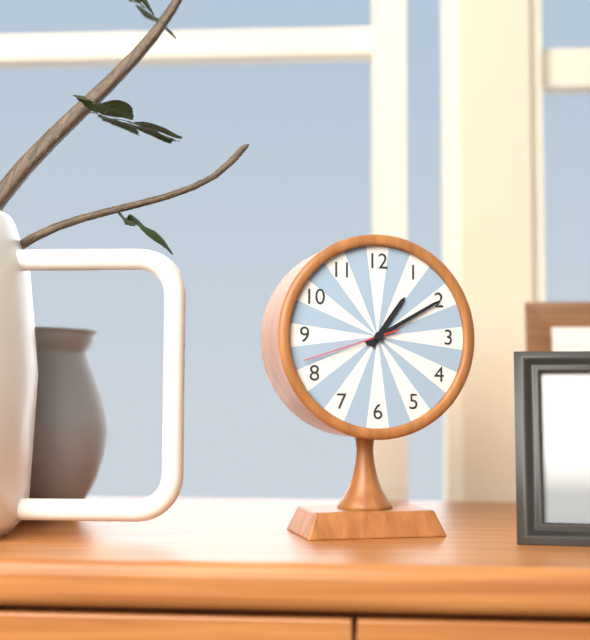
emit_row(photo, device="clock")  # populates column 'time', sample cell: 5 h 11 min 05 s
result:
1 h 10 min 42 s
